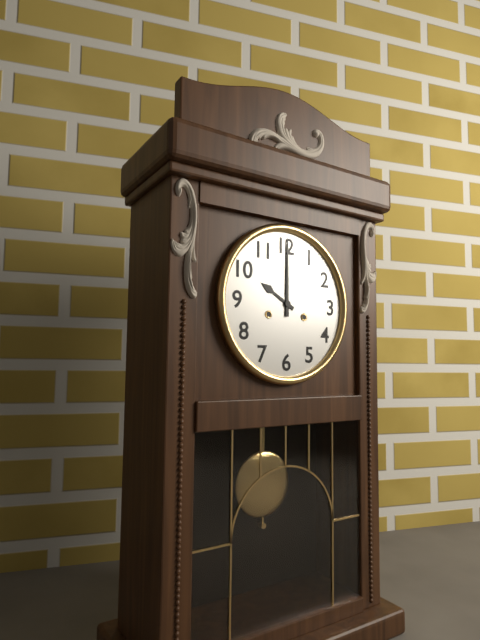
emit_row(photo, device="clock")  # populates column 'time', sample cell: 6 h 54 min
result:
10 h 00 min
